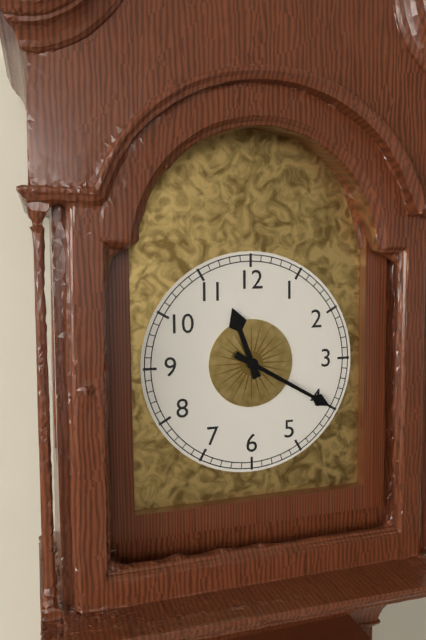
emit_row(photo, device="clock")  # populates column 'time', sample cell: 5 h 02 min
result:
11 h 20 min
